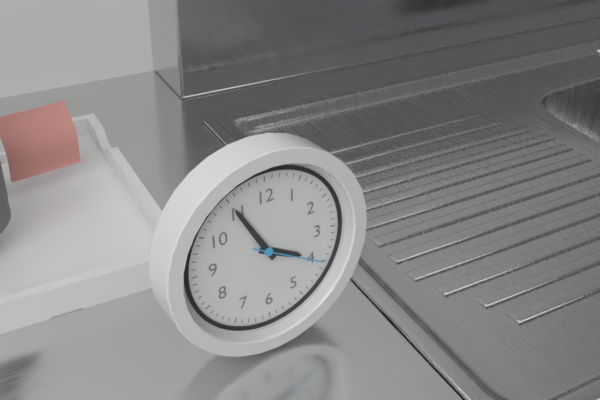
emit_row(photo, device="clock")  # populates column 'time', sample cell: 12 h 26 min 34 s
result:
3 h 55 min 20 s
